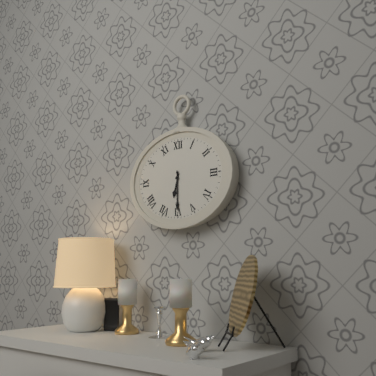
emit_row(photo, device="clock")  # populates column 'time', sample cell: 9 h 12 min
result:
6 h 30 min
